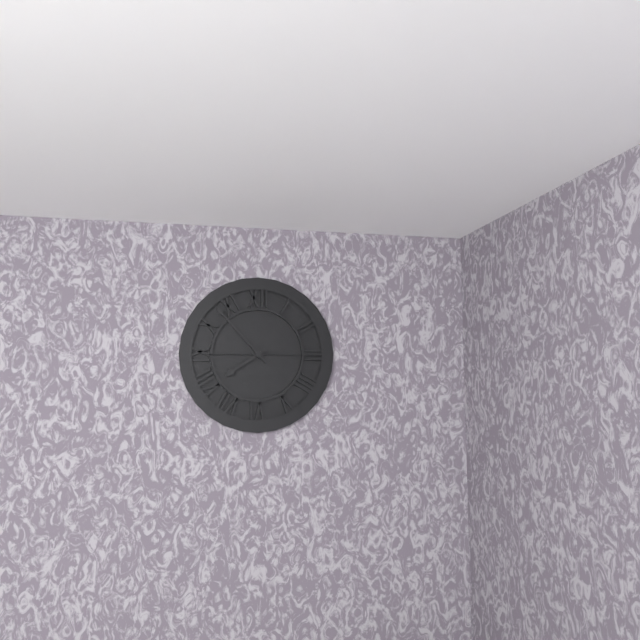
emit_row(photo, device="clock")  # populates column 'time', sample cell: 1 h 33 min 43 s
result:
7 h 53 min 15 s
